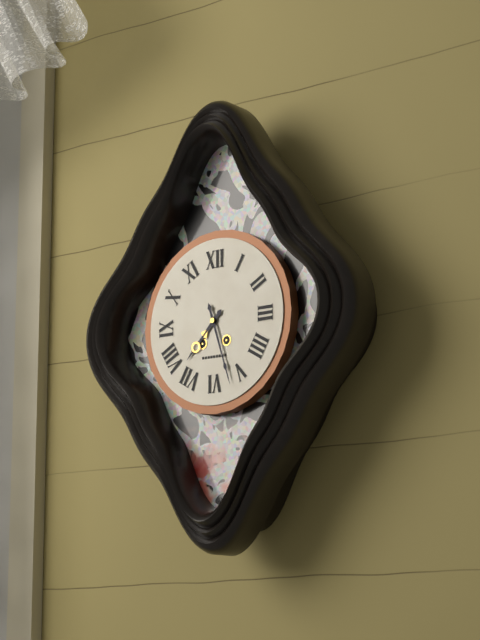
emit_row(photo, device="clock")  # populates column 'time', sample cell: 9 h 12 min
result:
7 h 27 min
